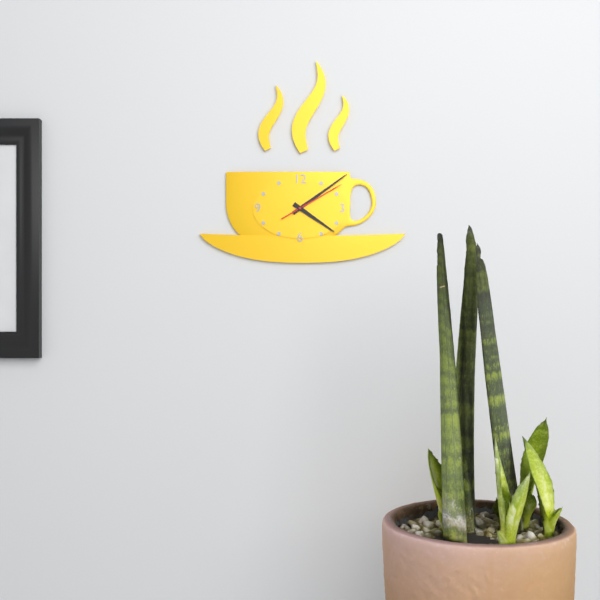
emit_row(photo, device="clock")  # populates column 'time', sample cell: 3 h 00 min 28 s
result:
4 h 09 min 10 s
